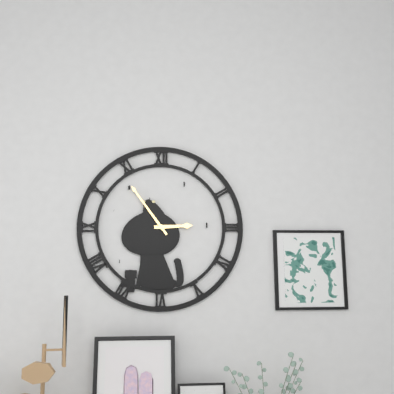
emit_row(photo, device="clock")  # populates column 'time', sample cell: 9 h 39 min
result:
2 h 54 min
